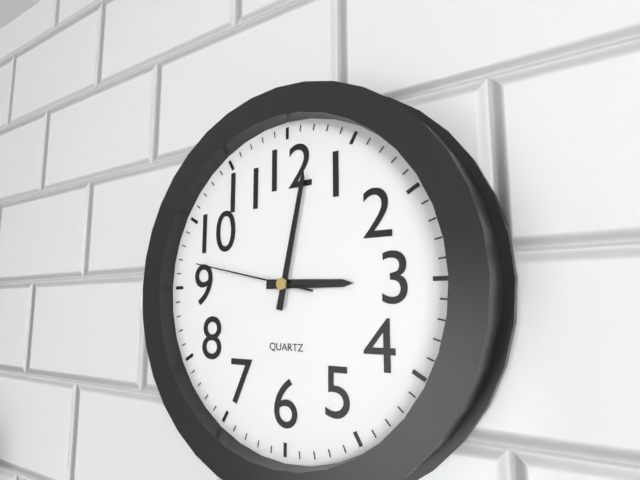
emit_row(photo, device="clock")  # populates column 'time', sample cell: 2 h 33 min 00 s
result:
3 h 02 min 47 s
